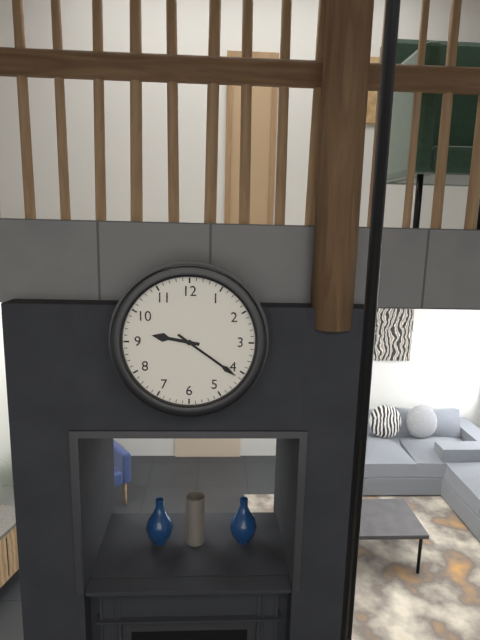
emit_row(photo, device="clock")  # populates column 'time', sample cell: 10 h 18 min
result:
9 h 21 min
